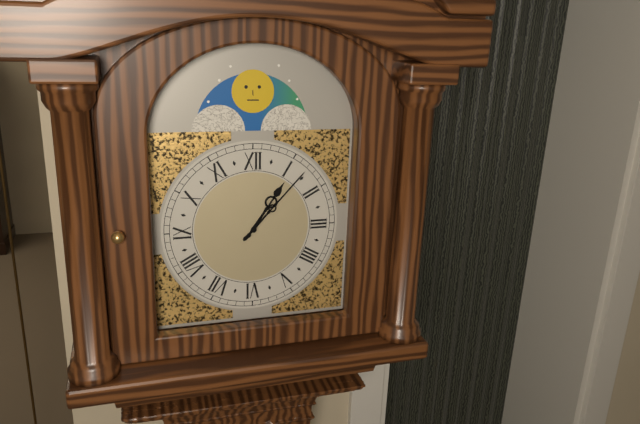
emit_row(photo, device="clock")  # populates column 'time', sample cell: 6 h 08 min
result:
1 h 07 min
